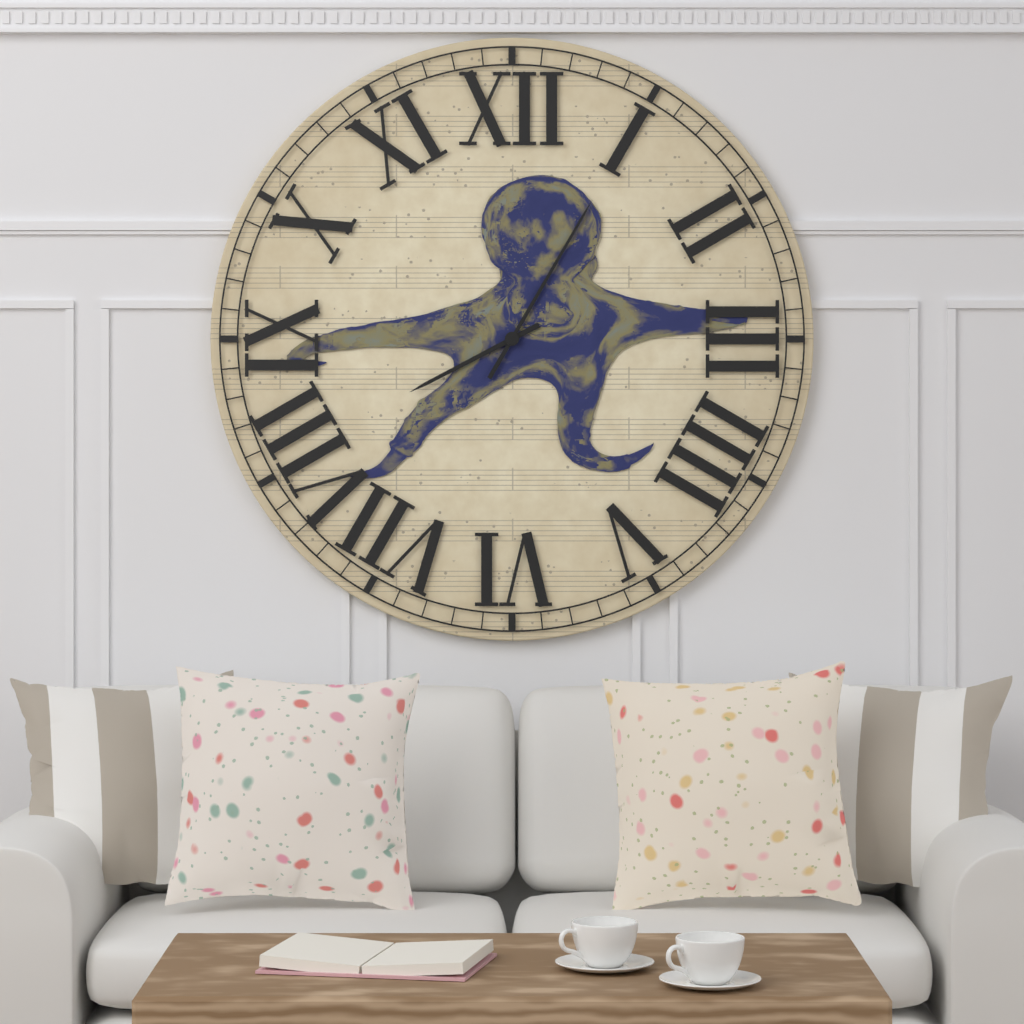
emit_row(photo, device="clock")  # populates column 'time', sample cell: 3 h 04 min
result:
8 h 05 min
